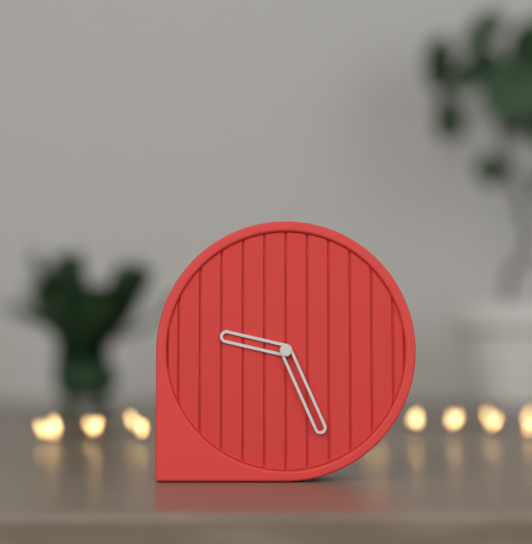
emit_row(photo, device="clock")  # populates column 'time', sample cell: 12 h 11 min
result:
9 h 26 min
